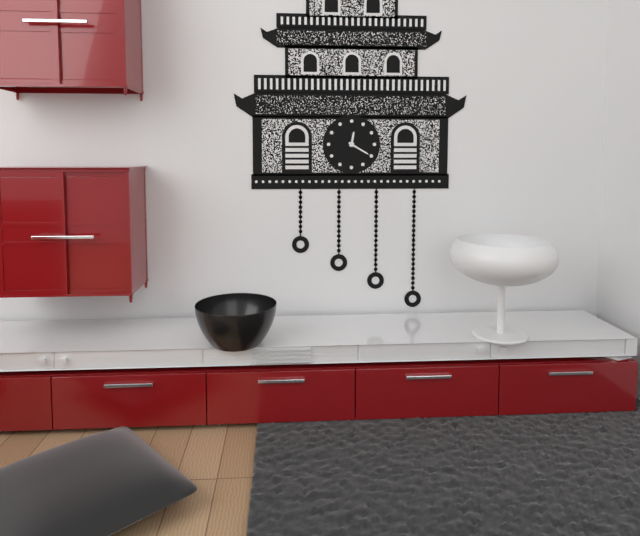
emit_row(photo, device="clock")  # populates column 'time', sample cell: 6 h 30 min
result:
12 h 20 min
